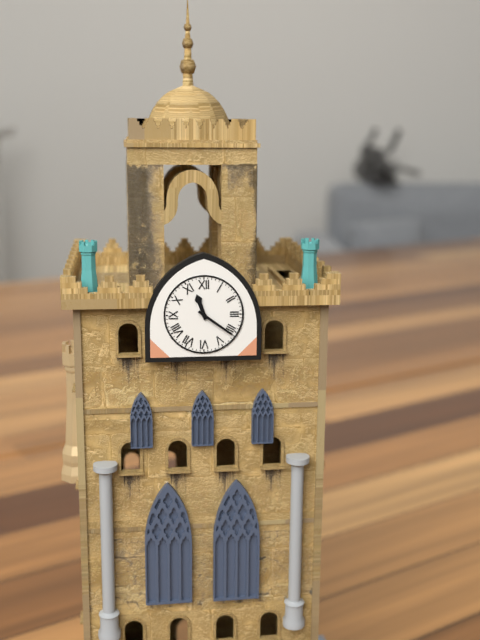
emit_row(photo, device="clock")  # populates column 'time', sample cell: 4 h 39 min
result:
11 h 21 min
